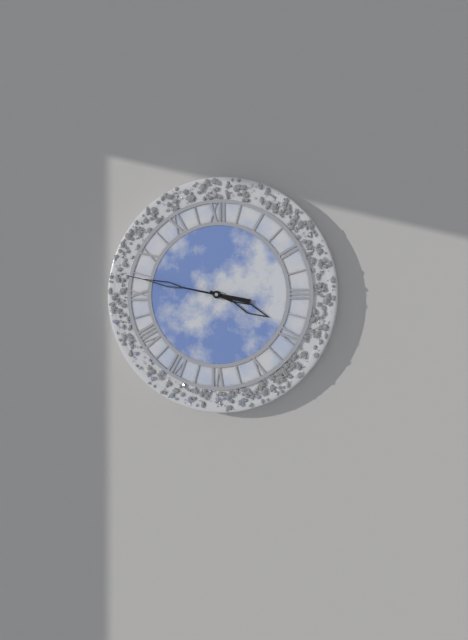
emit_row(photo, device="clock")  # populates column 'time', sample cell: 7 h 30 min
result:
3 h 47 min
